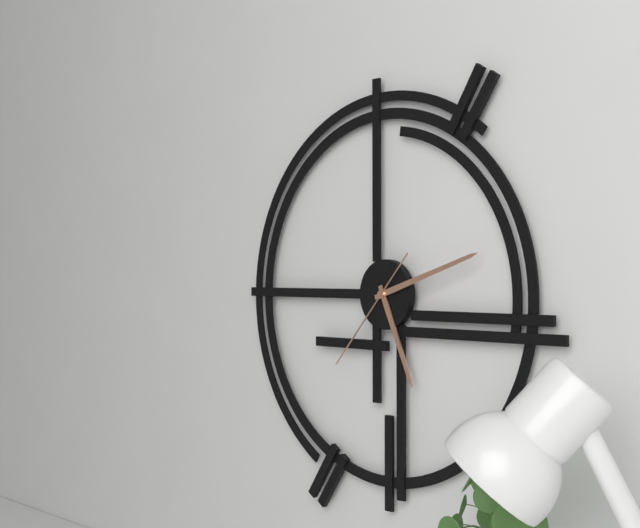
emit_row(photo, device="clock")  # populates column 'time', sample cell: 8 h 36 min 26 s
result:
5 h 12 min 37 s
